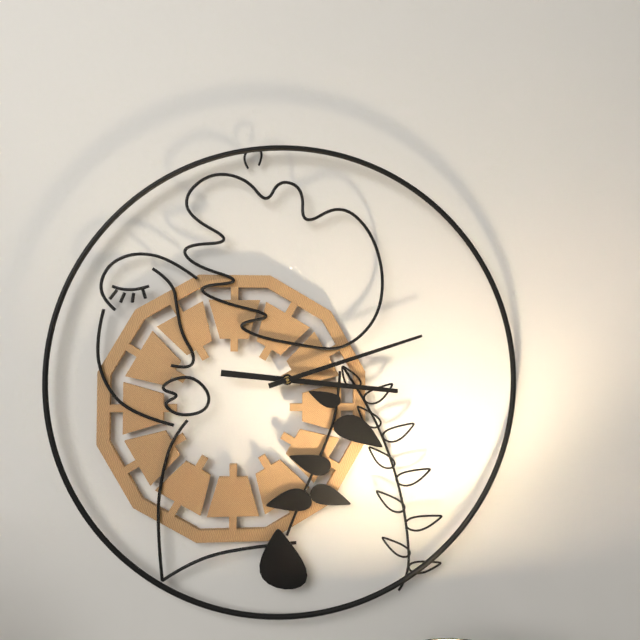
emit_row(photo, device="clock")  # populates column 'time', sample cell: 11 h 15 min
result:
3 h 12 min
